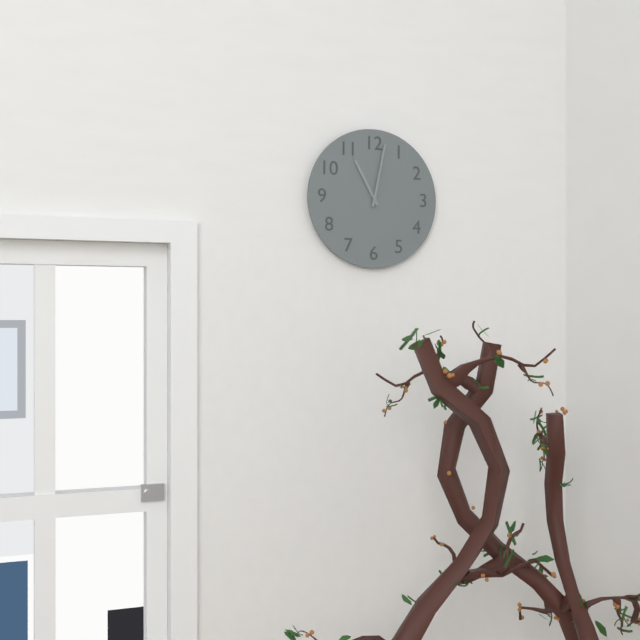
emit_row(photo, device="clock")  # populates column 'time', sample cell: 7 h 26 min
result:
11 h 02 min
